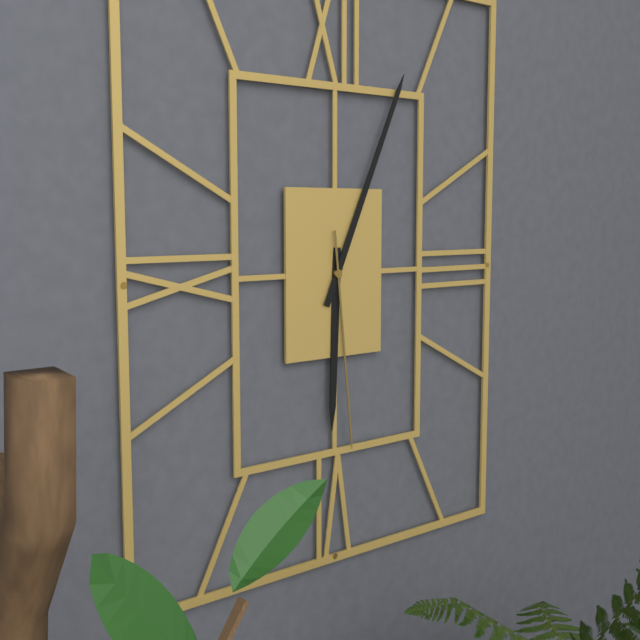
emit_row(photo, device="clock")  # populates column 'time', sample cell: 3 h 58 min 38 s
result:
6 h 04 min 29 s
